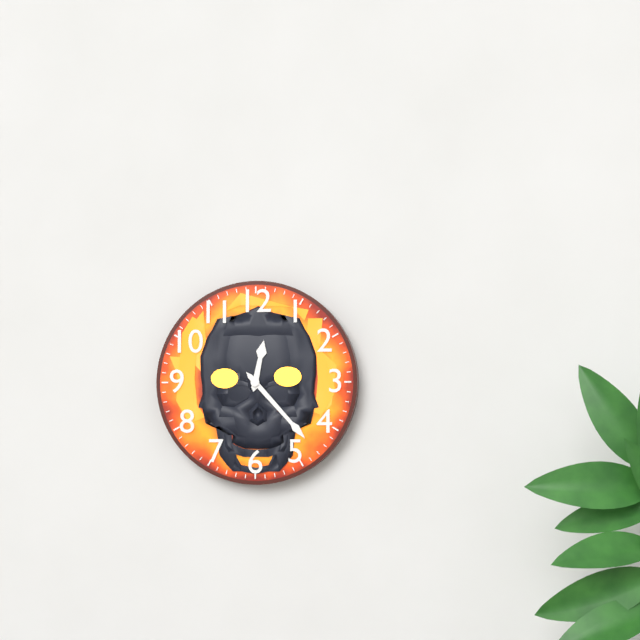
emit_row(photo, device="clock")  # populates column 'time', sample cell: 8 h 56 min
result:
12 h 23 min
